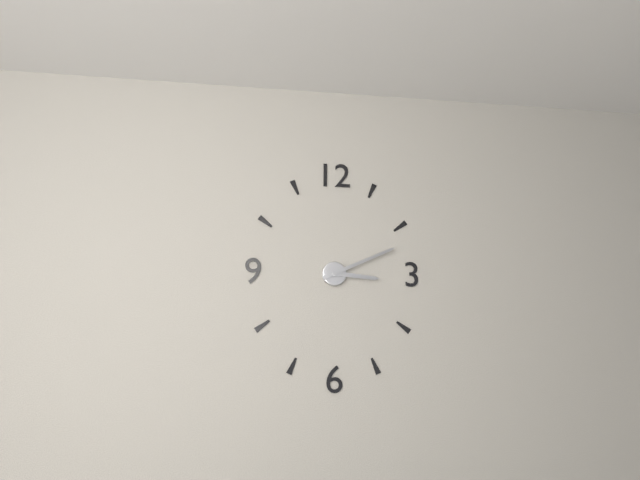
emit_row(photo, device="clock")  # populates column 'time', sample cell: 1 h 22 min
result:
3 h 11 min
